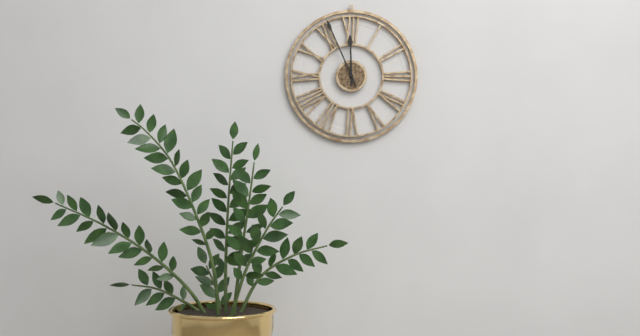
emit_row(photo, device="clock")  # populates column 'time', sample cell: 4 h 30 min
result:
11 h 56 min
